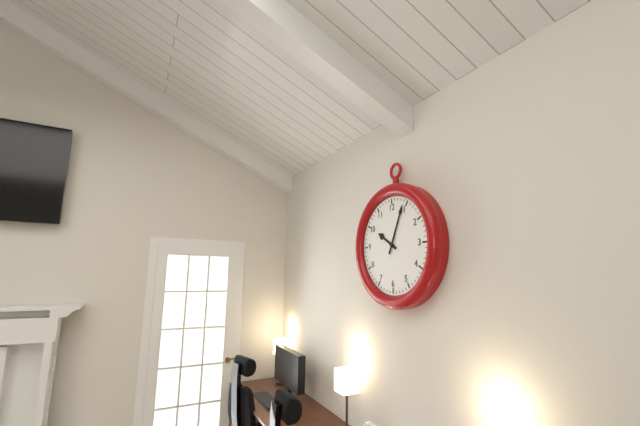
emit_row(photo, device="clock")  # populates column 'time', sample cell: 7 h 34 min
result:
10 h 04 min
